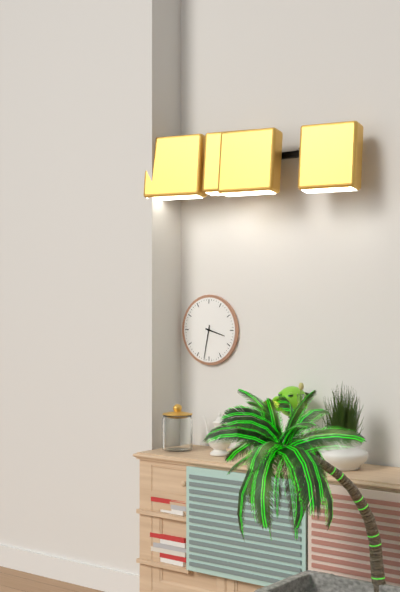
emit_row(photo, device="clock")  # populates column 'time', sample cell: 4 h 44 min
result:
3 h 32 min
